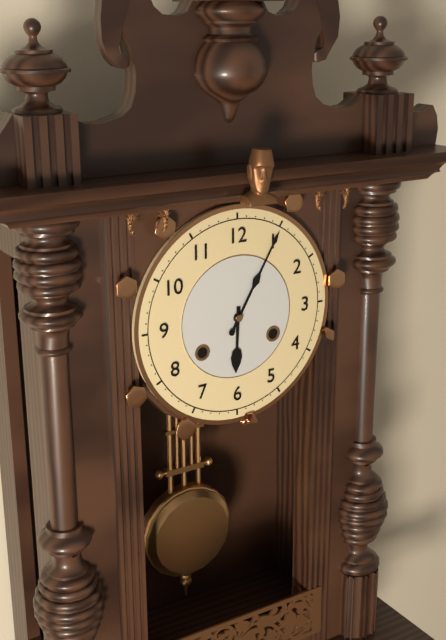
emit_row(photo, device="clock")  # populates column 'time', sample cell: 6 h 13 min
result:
6 h 05 min
